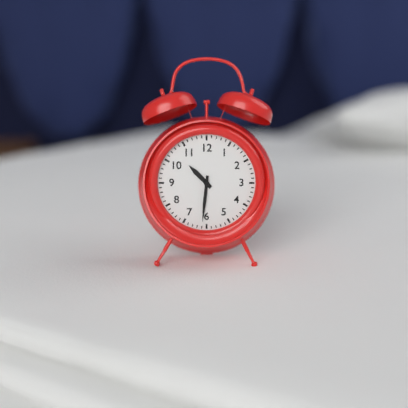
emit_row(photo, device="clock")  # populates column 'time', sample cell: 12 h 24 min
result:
10 h 31 min
